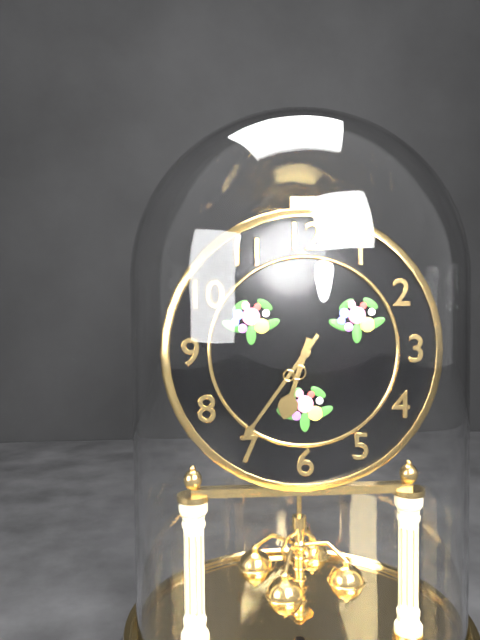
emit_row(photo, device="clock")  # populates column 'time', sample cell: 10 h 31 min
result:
6 h 36 min
